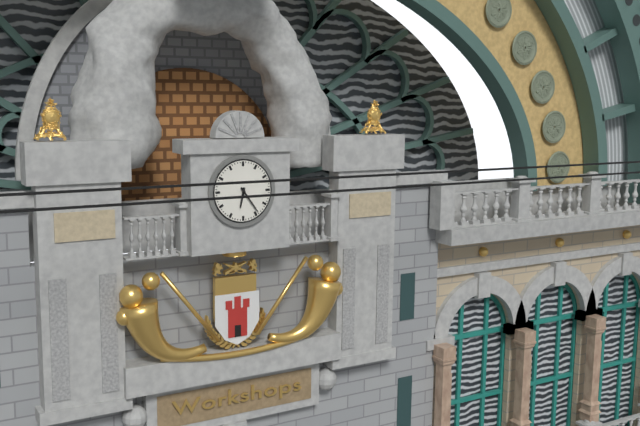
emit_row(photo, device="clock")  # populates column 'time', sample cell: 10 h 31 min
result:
6 h 24 min
